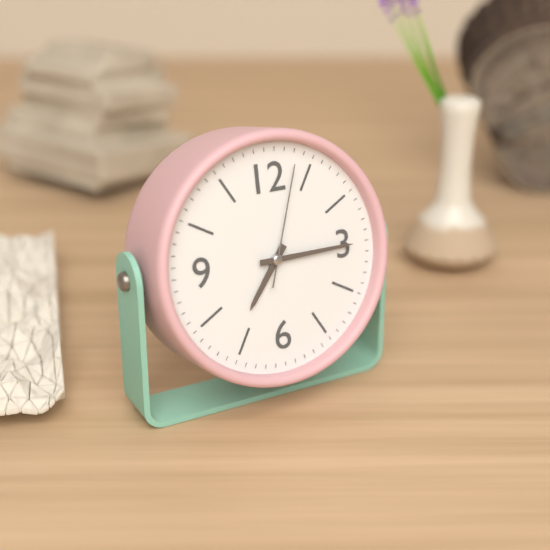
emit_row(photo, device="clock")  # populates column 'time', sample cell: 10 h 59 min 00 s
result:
7 h 15 min 03 s
